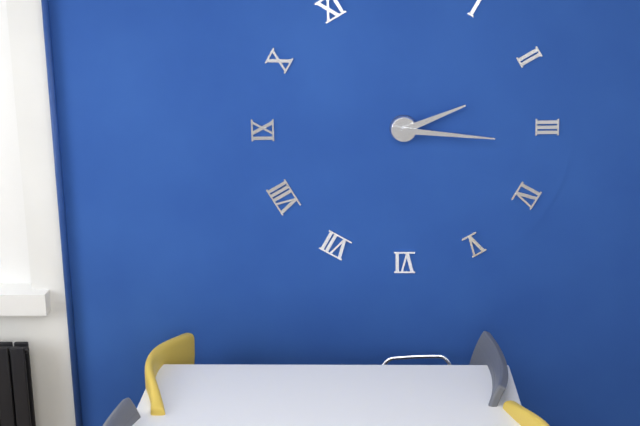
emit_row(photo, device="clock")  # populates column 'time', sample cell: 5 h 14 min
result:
2 h 16 min
